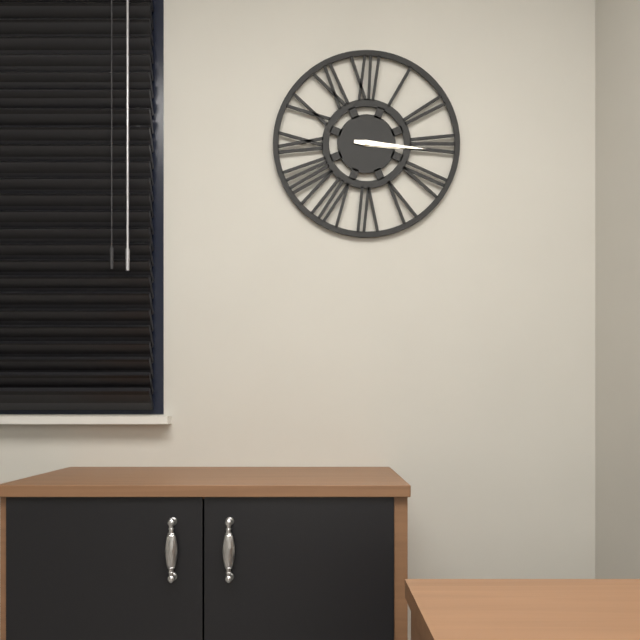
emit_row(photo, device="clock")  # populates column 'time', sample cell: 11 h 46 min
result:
3 h 16 min
